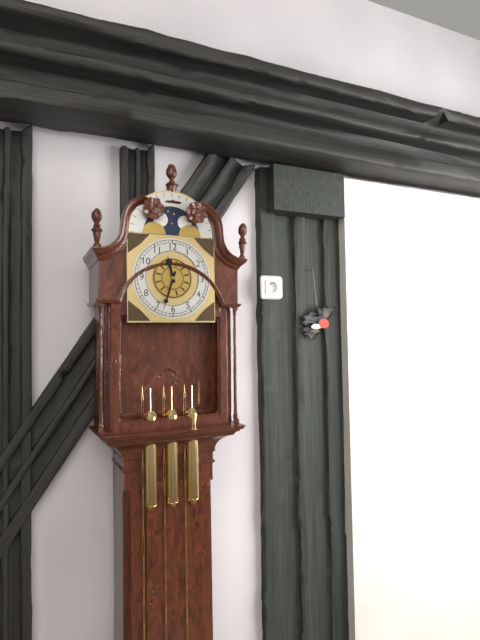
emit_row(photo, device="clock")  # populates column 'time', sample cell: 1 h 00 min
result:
11 h 33 min
